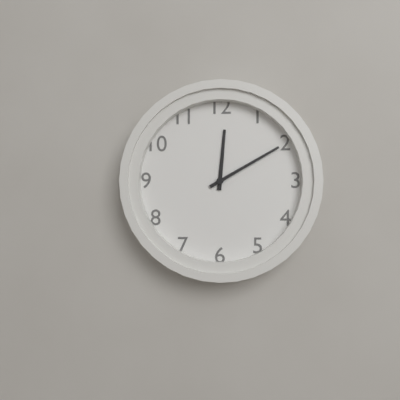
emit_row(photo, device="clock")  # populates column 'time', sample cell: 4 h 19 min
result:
12 h 10 min
